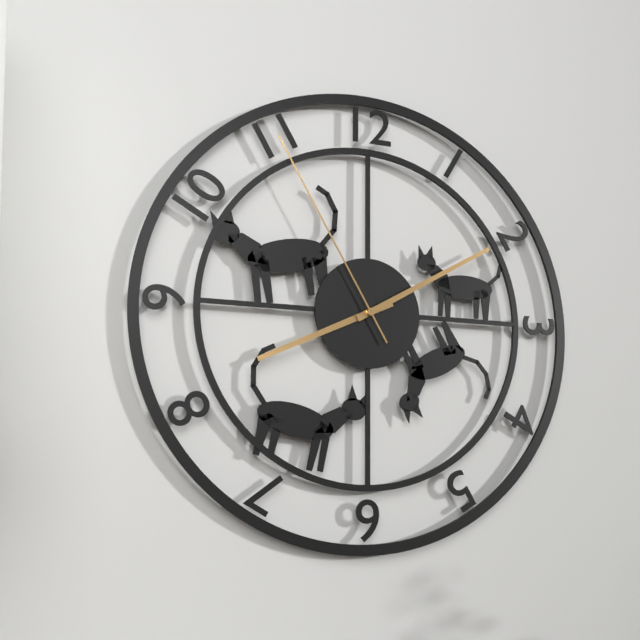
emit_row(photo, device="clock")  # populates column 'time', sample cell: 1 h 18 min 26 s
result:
8 h 10 min 55 s
